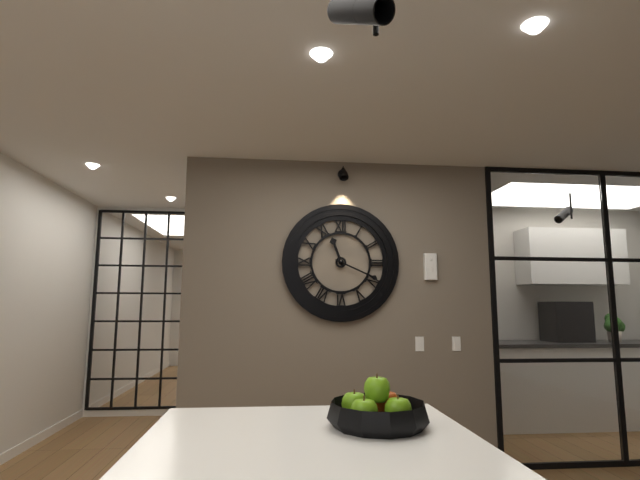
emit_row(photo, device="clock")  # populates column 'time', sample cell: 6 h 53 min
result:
11 h 19 min
